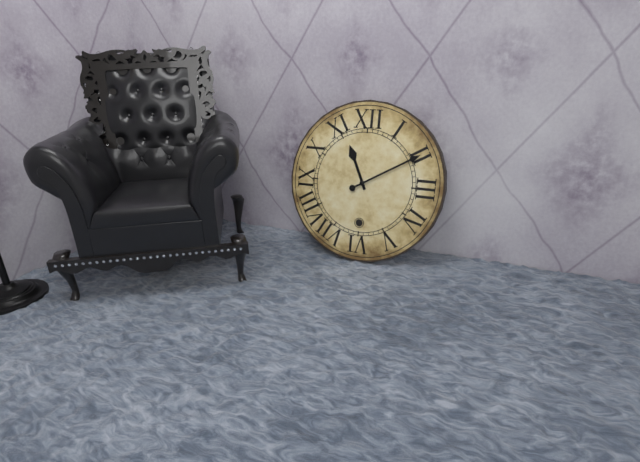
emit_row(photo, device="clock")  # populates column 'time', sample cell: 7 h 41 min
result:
11 h 10 min
